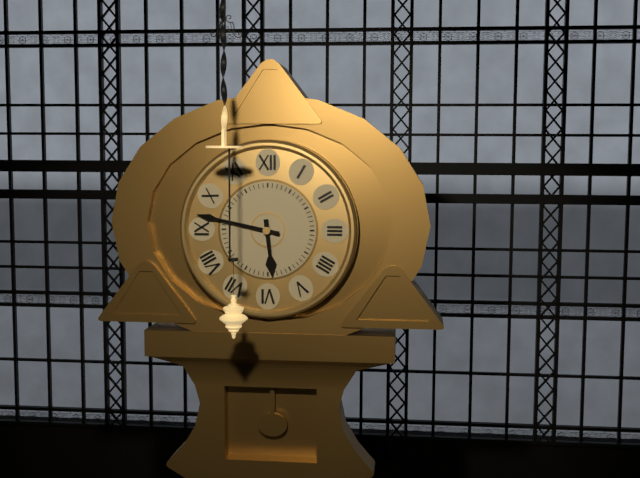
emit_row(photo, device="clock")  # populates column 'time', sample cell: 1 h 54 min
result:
5 h 47 min
